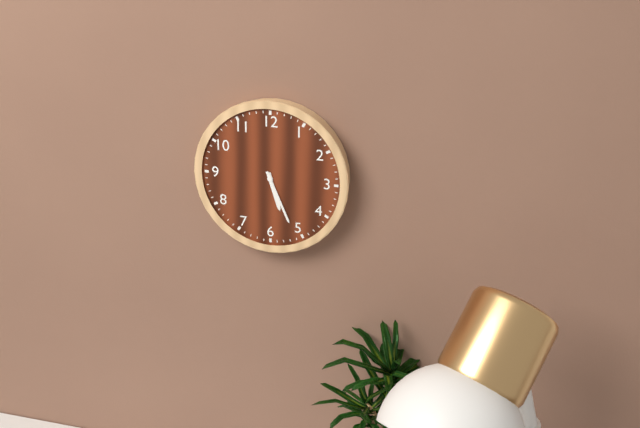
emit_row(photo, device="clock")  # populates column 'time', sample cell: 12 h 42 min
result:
5 h 26 min
